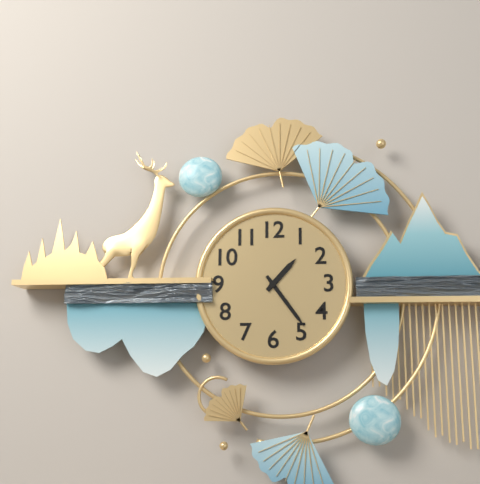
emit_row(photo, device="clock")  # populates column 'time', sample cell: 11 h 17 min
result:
1 h 24 min
